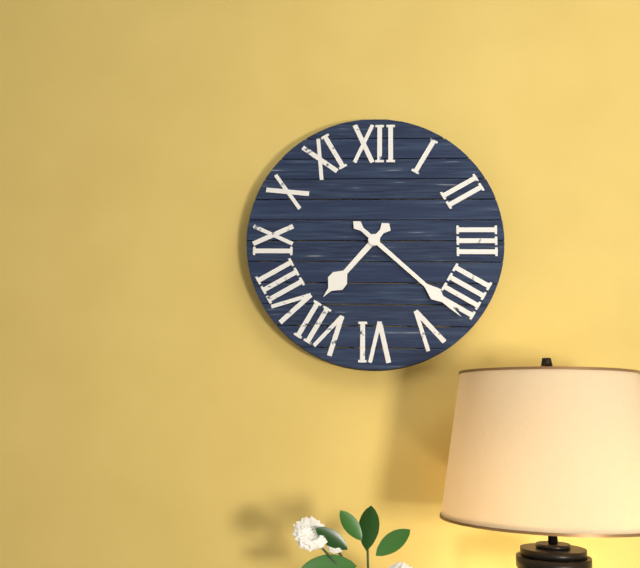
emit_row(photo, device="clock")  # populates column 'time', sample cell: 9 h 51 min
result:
7 h 22 min
